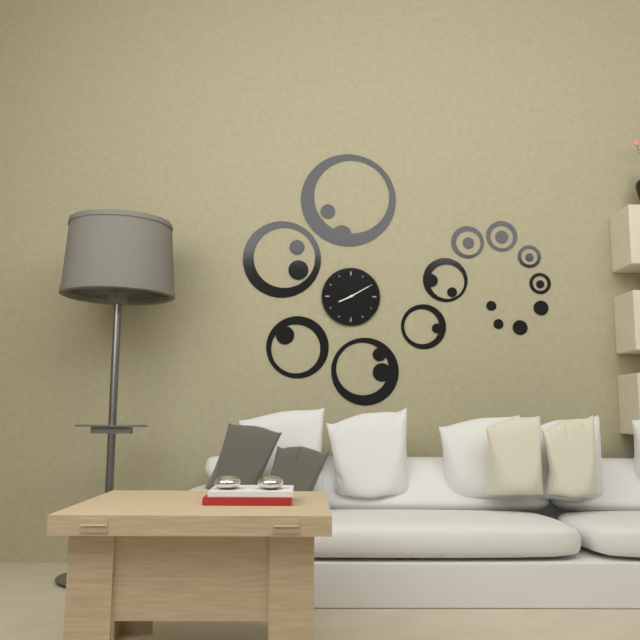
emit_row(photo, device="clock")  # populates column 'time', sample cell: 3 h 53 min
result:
8 h 10 min
